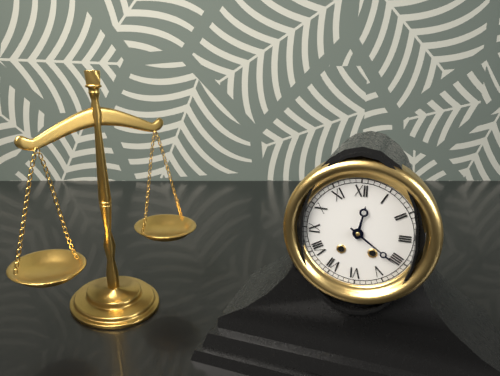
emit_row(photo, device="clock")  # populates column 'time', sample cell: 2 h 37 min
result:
12 h 21 min
